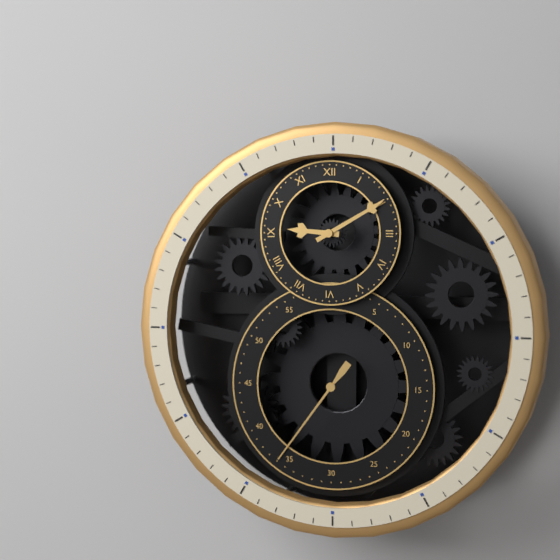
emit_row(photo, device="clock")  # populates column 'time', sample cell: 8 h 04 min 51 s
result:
9 h 10 min 36 s
